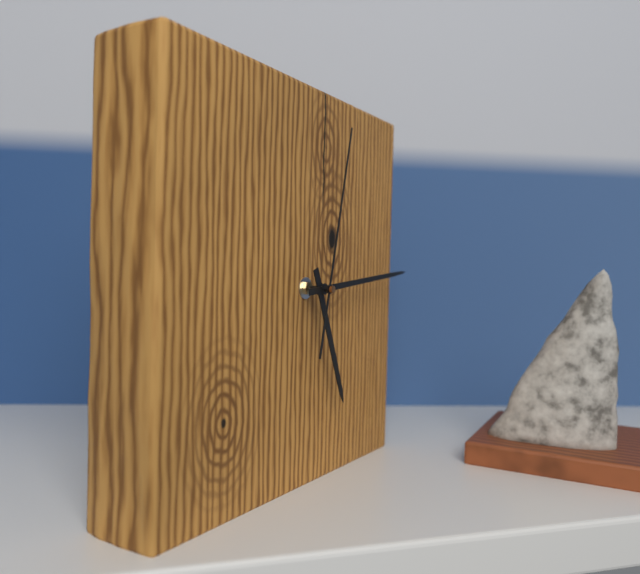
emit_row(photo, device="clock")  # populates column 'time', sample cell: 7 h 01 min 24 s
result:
5 h 14 min 02 s
